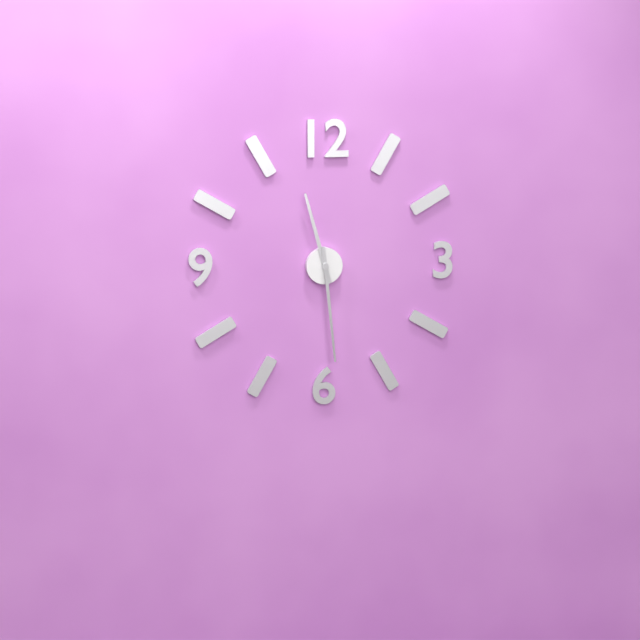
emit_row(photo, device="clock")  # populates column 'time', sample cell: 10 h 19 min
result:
11 h 29 min
